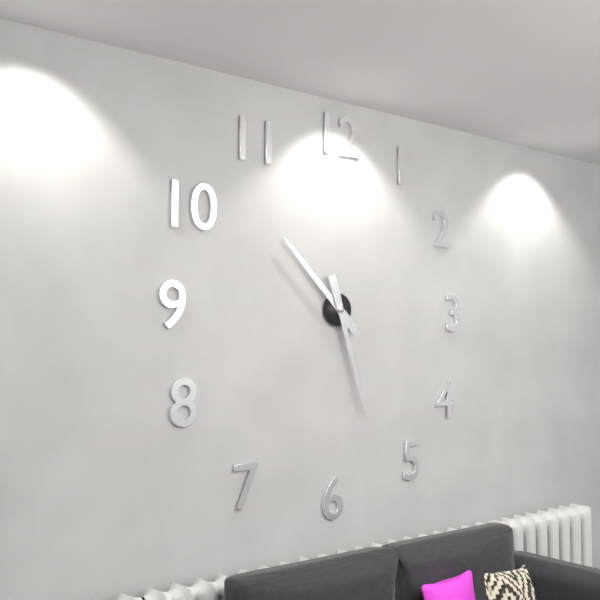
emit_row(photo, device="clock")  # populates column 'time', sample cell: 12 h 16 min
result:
10 h 27 min
